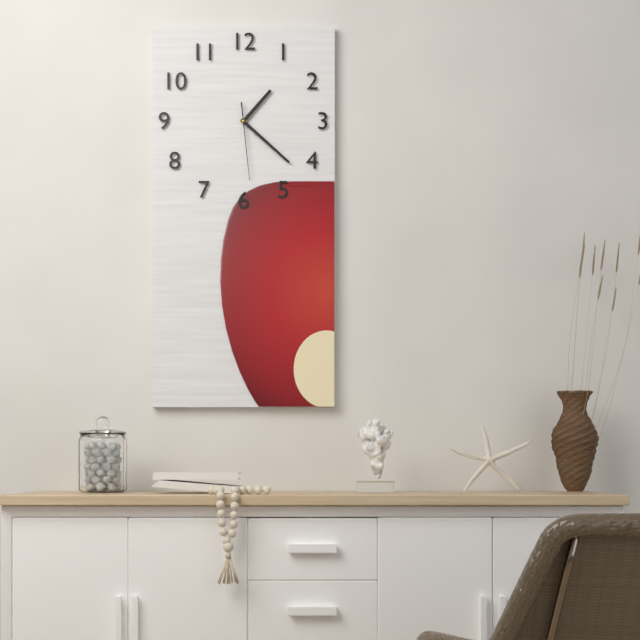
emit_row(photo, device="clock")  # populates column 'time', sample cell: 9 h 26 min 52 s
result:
1 h 22 min 29 s
